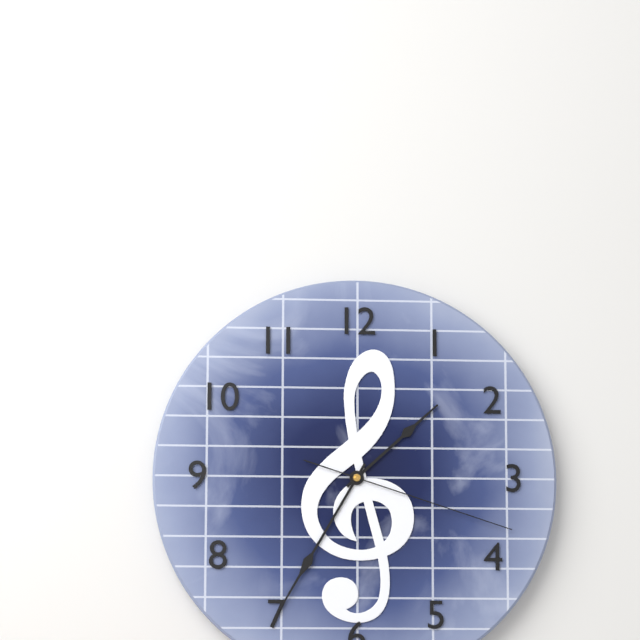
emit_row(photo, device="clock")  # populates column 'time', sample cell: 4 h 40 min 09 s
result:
1 h 35 min 18 s
